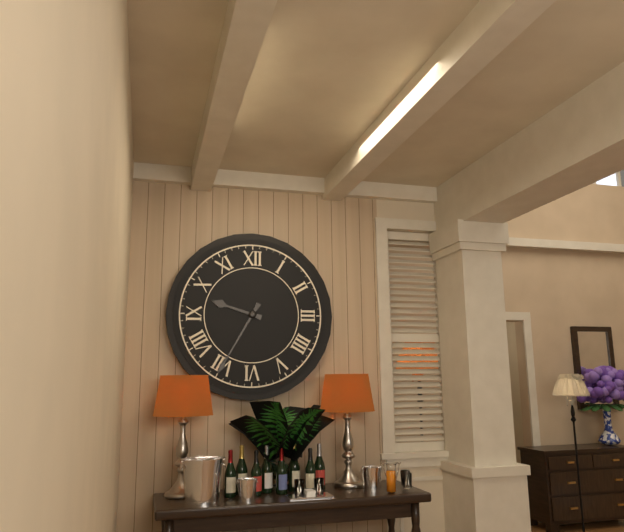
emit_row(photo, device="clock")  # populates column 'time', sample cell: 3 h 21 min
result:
9 h 35 min
